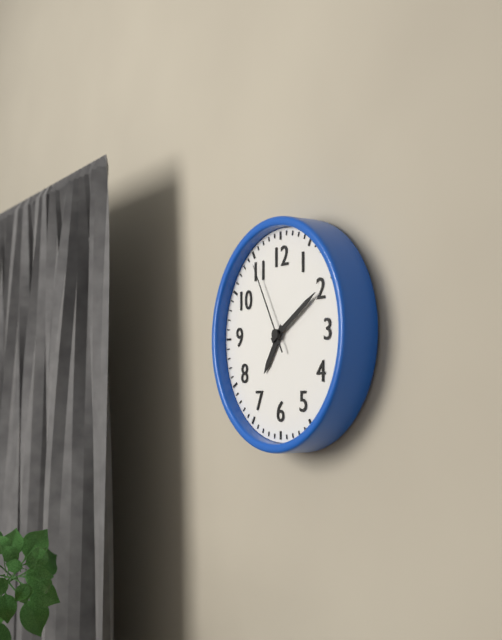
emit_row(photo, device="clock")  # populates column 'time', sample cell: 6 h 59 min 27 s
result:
7 h 10 min 55 s
